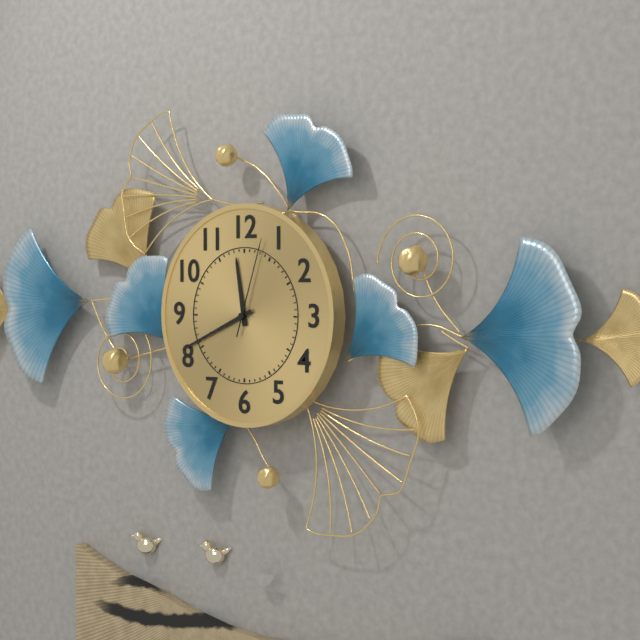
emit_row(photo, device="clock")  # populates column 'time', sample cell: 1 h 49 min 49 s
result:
11 h 41 min 03 s
